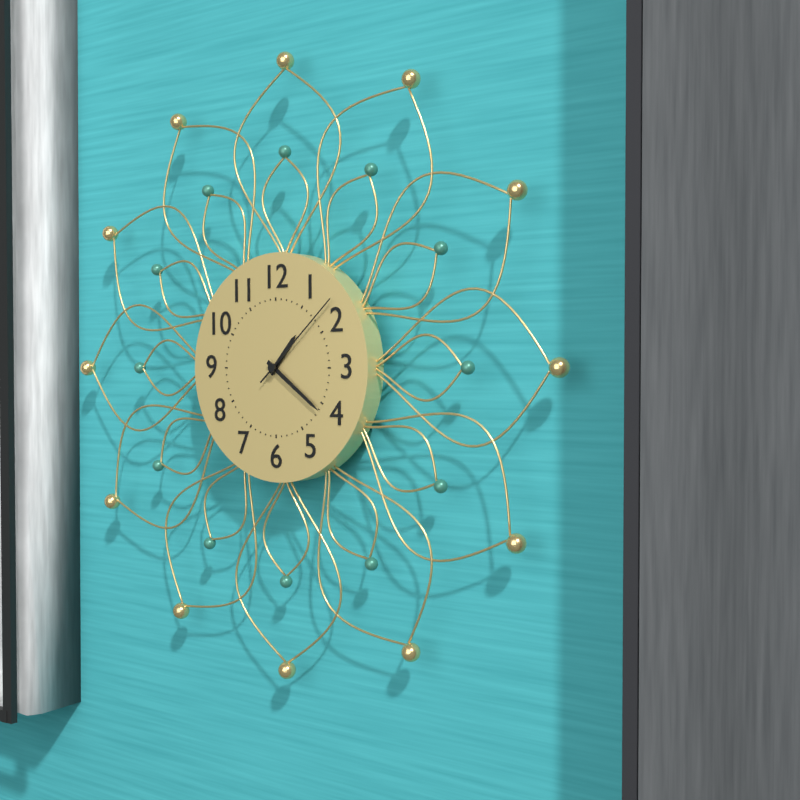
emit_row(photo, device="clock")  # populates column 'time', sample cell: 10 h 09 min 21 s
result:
1 h 21 min 08 s
